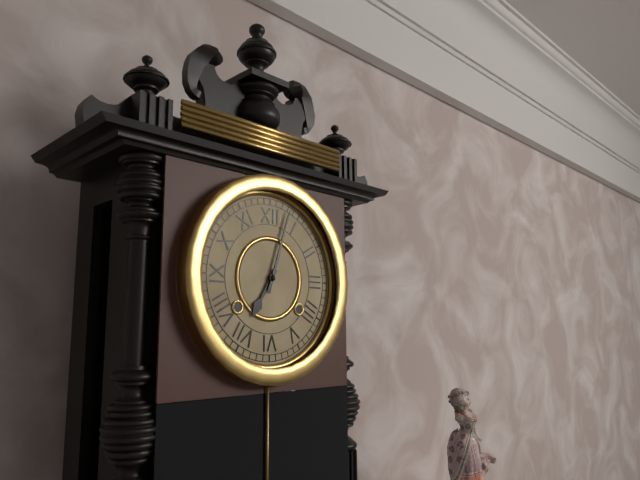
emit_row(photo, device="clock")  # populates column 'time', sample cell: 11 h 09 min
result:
7 h 03 min
